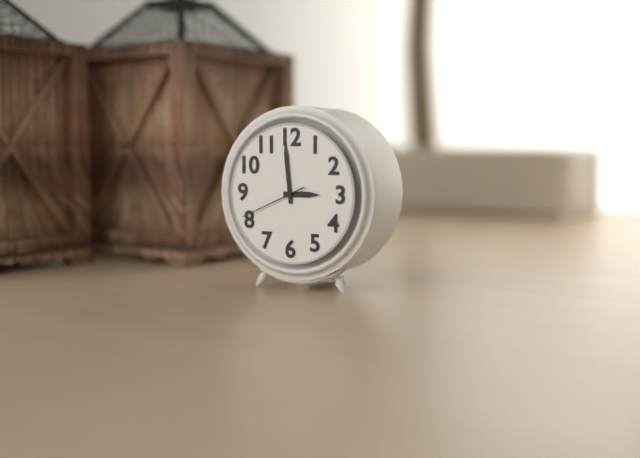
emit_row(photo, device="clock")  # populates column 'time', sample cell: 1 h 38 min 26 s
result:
2 h 59 min 41 s
